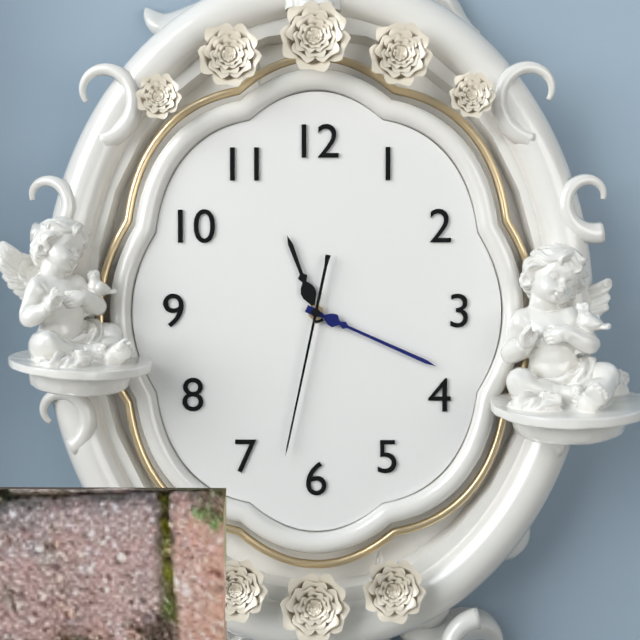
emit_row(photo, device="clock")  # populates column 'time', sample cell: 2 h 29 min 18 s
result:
11 h 19 min 32 s
